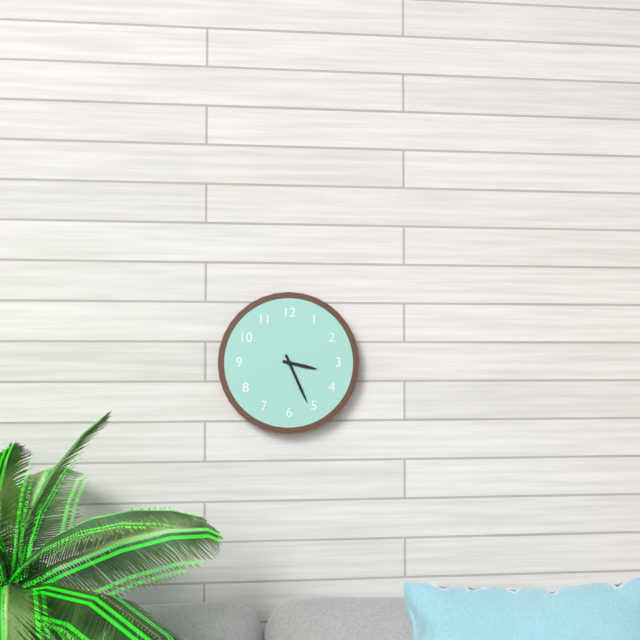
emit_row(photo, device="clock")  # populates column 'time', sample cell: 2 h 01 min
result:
3 h 26 min
